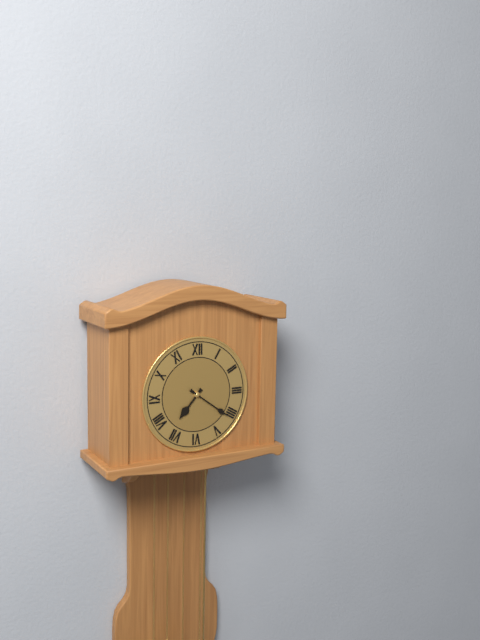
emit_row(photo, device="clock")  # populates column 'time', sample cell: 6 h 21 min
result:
7 h 21 min
